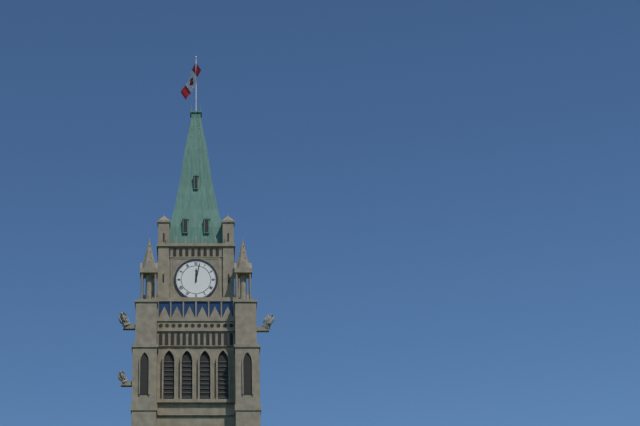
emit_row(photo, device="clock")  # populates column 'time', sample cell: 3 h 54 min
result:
12 h 02 min
